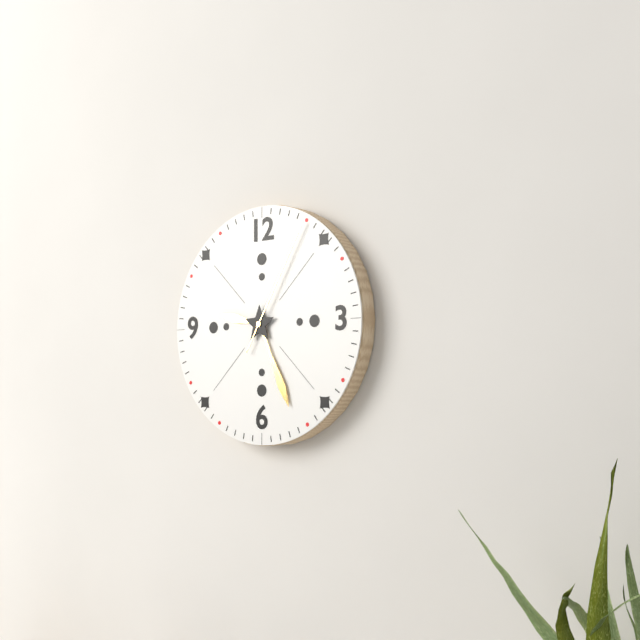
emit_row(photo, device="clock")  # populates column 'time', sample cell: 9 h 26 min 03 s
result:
9 h 26 min 05 s
